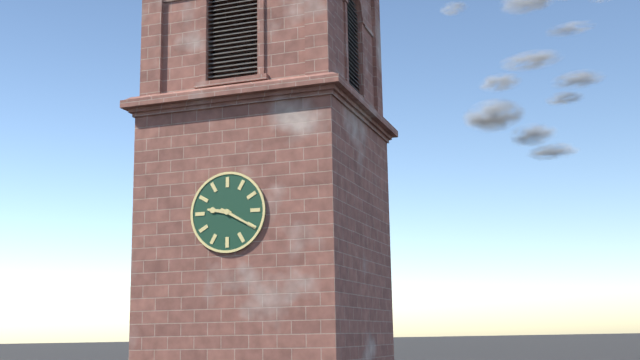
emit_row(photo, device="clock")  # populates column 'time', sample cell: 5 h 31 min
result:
9 h 20 min
